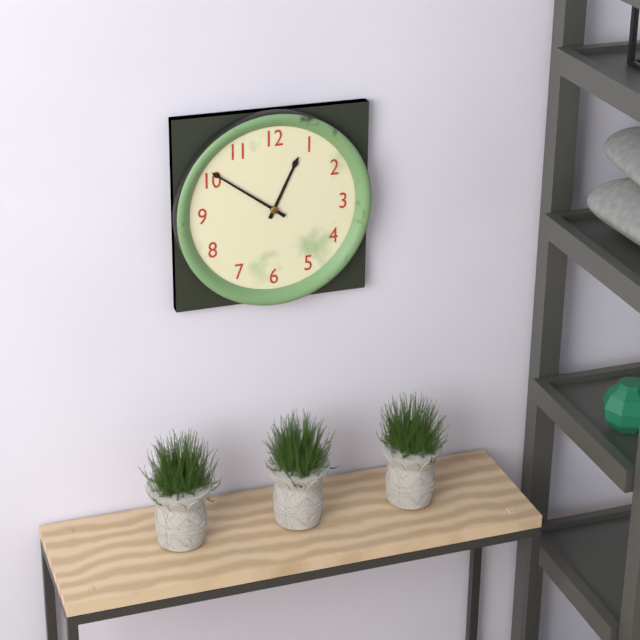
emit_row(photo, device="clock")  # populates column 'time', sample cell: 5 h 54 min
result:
12 h 51 min
